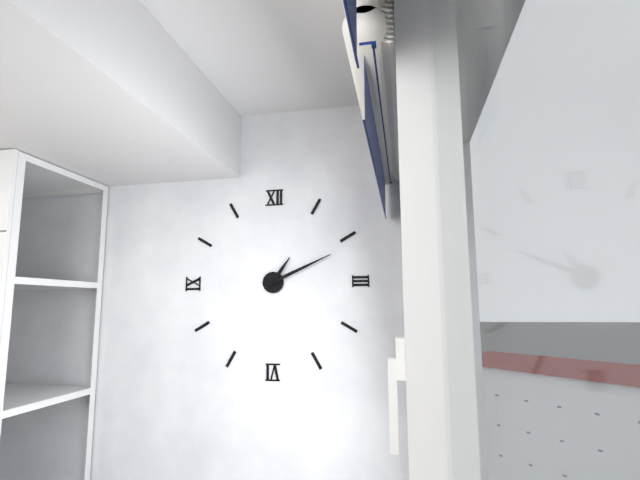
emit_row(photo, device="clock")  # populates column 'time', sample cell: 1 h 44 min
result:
1 h 11 min
